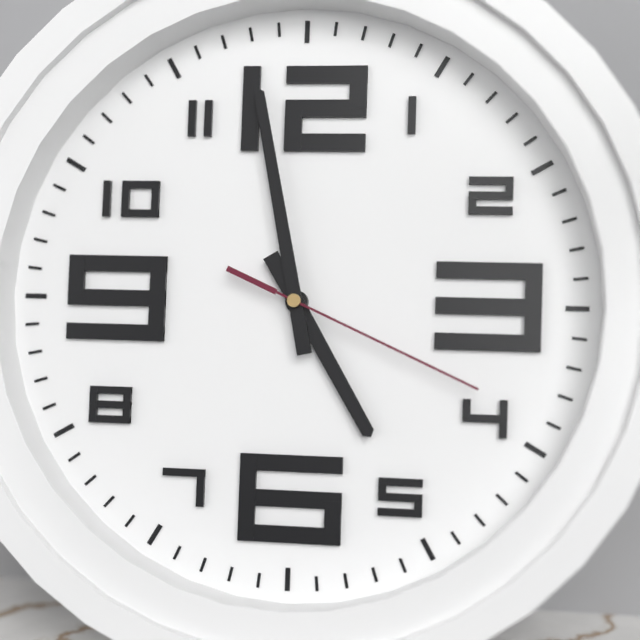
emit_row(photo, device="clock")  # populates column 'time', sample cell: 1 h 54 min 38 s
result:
4 h 58 min 19 s
